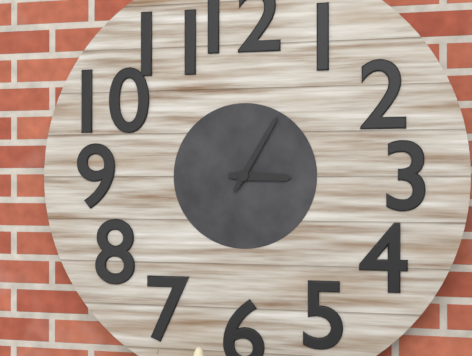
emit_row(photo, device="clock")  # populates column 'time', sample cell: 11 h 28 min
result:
3 h 05 min
